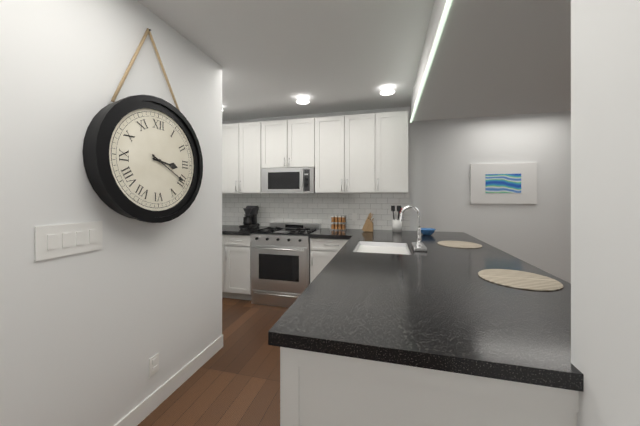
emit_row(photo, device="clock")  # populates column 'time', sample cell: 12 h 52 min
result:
3 h 20 min
